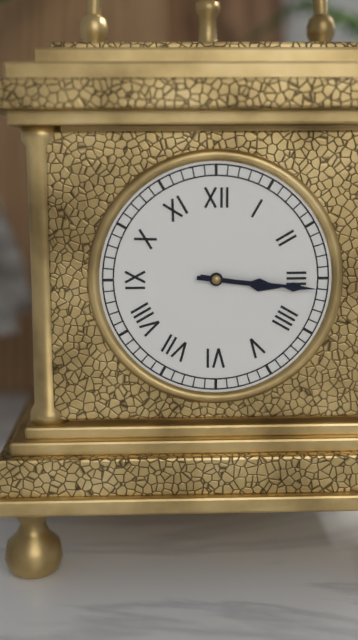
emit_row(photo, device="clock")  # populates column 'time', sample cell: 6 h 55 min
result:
3 h 16 min
